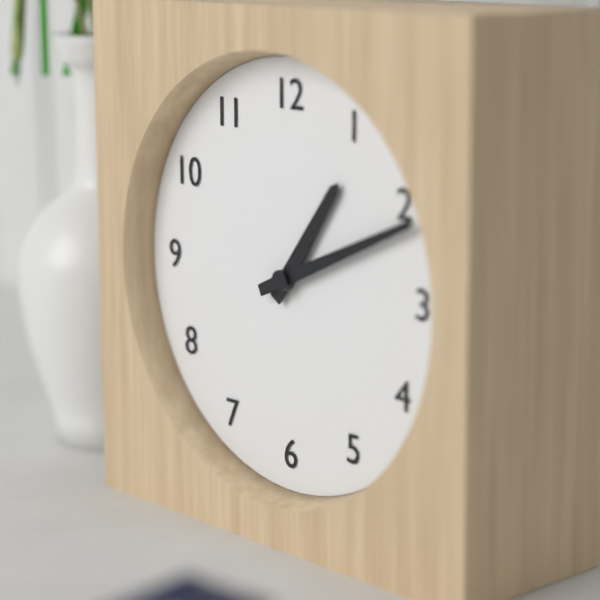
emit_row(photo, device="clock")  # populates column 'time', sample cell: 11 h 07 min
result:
1 h 11 min
